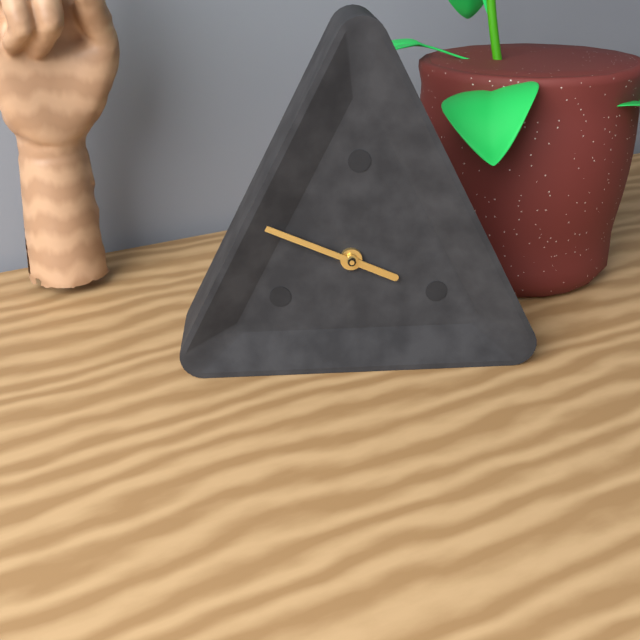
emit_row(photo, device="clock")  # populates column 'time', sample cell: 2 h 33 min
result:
3 h 49 min
